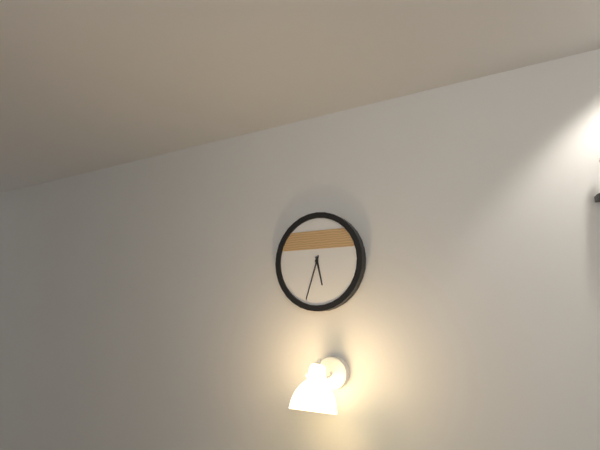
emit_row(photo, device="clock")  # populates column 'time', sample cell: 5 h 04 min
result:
5 h 33 min
